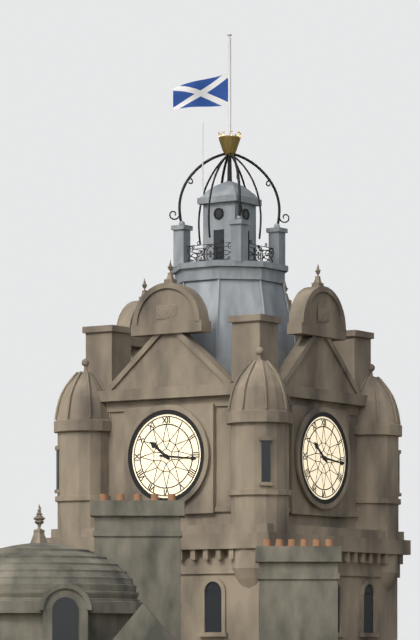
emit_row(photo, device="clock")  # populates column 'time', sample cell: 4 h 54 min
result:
10 h 16 min
